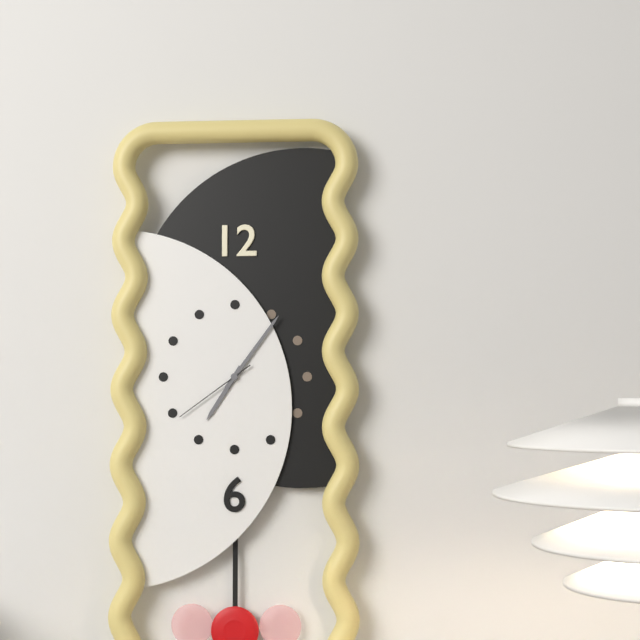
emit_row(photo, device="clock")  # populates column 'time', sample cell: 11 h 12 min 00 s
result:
7 h 06 min 39 s
